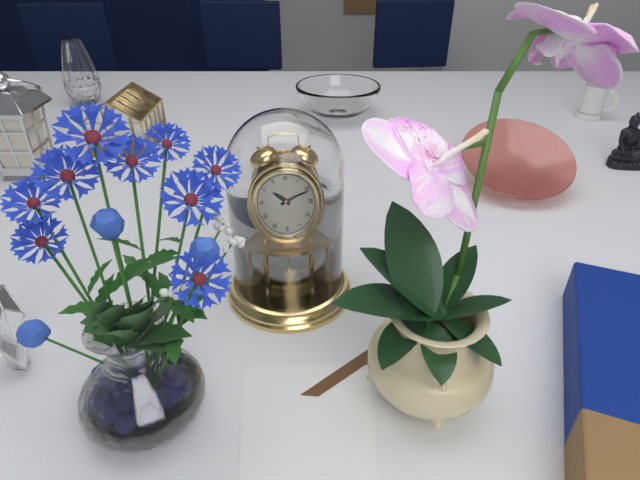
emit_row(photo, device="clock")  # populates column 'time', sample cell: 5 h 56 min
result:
10 h 11 min
